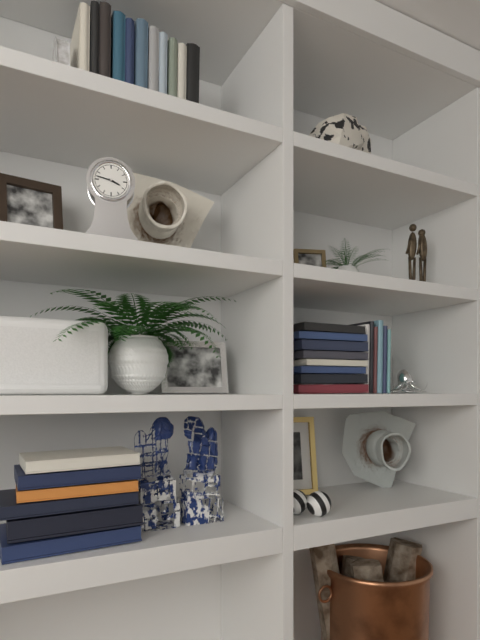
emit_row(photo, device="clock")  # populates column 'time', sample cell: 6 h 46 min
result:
3 h 47 min
